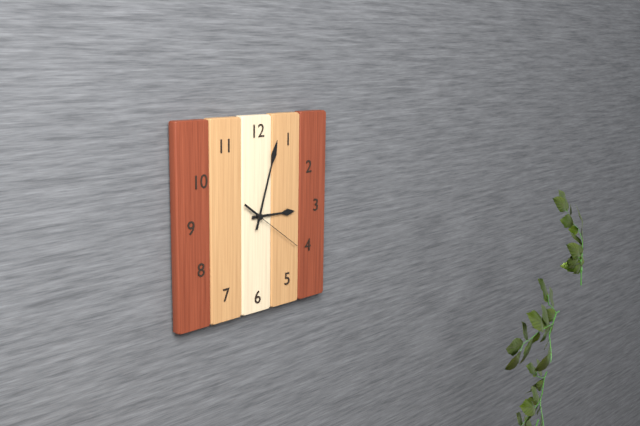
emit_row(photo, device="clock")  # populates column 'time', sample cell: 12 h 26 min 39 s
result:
3 h 03 min 21 s
